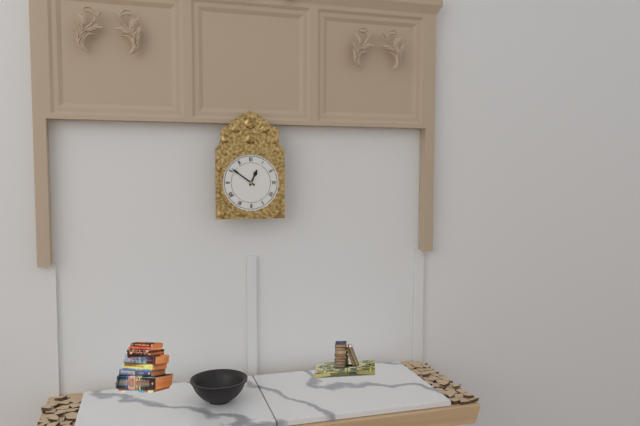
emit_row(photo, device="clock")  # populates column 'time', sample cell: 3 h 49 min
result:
12 h 51 min
